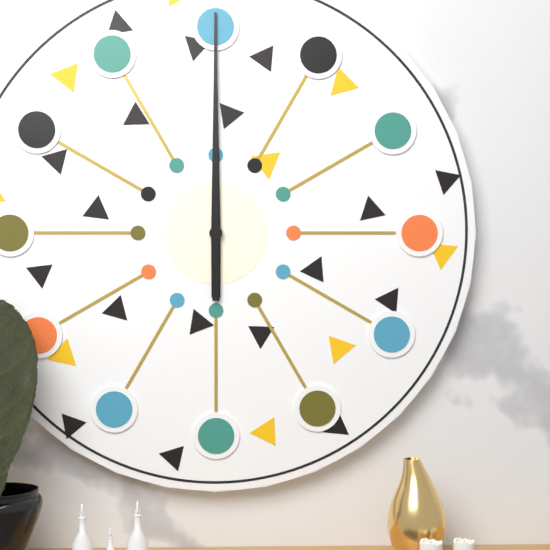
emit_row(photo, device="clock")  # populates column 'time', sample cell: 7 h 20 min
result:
12 h 00 min
